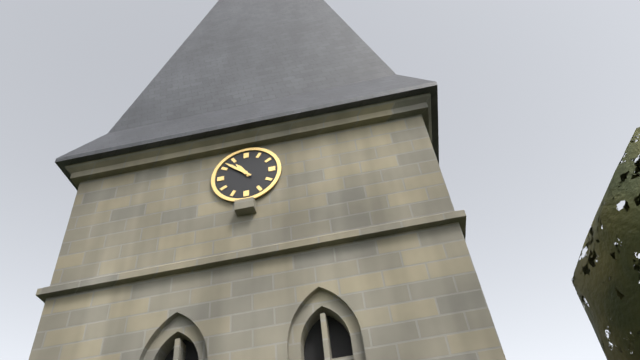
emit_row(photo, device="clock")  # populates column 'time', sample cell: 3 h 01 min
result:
10 h 52 min
